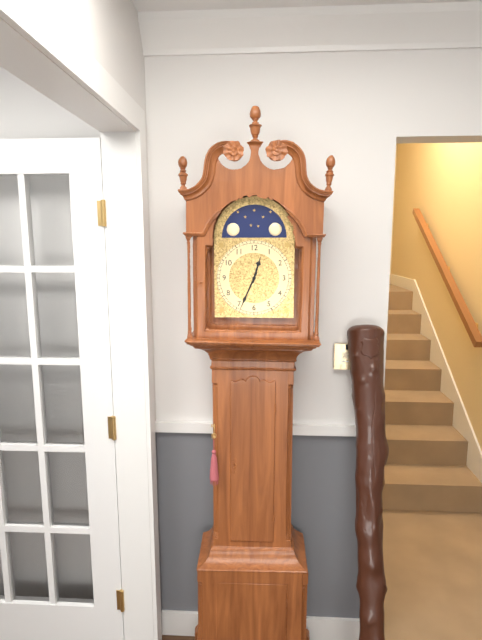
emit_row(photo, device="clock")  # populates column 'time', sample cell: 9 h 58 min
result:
12 h 34 min
